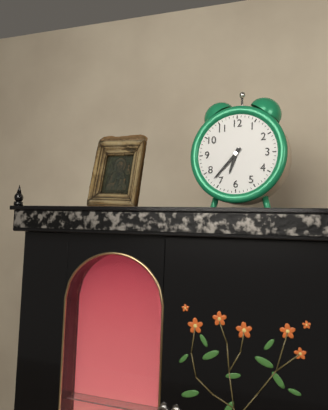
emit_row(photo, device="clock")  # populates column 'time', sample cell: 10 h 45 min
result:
6 h 37 min
